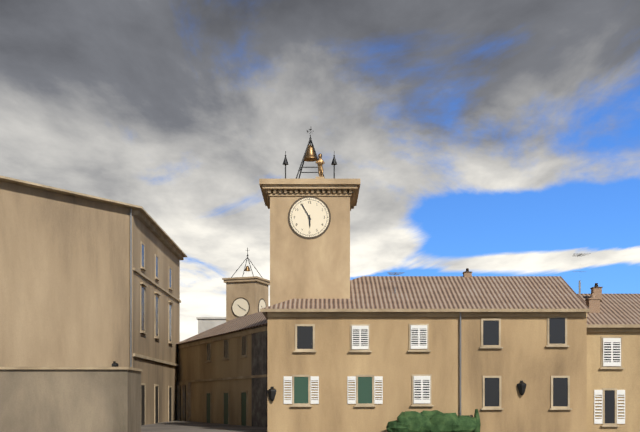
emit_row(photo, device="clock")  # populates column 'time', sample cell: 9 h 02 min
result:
5 h 55 min
